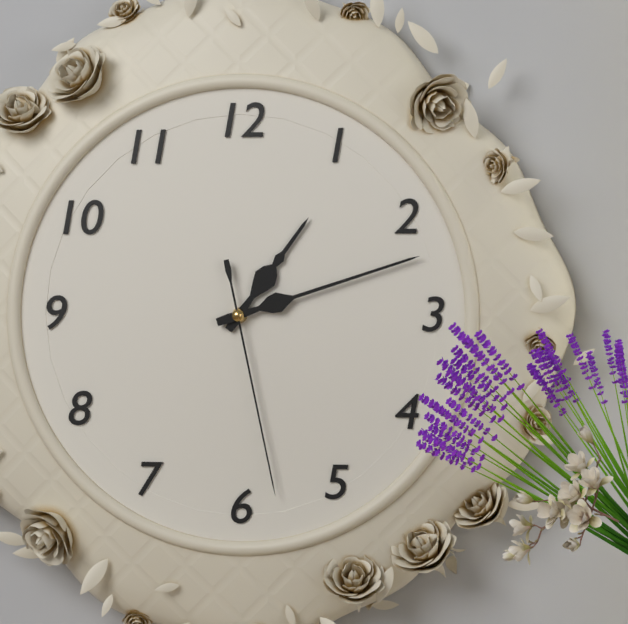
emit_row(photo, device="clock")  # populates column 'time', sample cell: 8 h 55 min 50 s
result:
1 h 12 min 28 s
